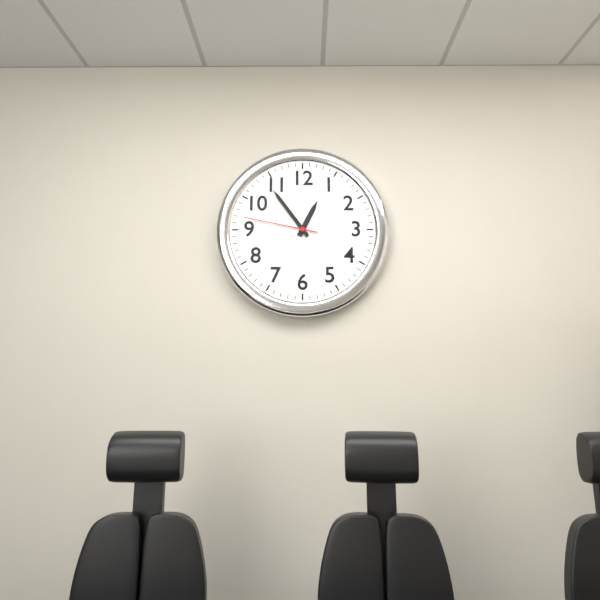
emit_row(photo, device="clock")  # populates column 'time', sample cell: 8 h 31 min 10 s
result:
12 h 54 min 47 s
